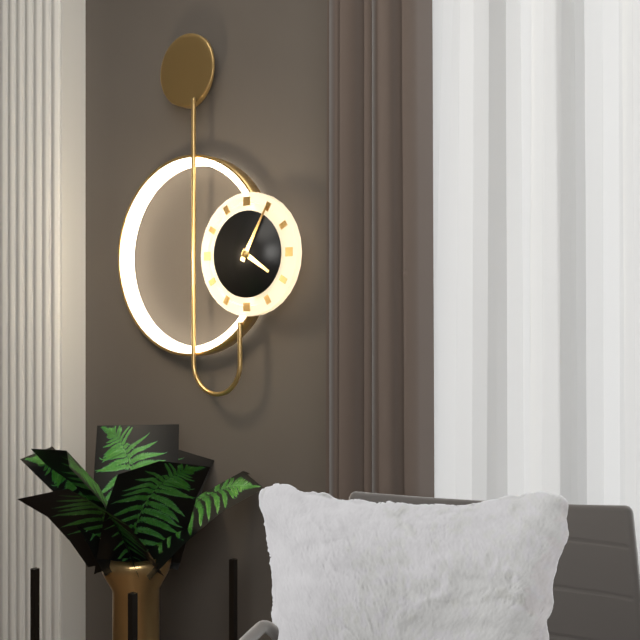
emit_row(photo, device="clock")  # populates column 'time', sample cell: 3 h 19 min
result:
4 h 05 min
